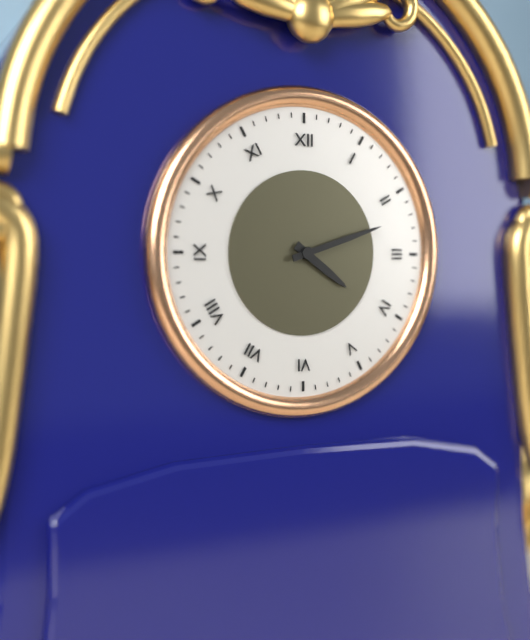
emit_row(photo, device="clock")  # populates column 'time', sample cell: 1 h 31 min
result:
4 h 12 min
